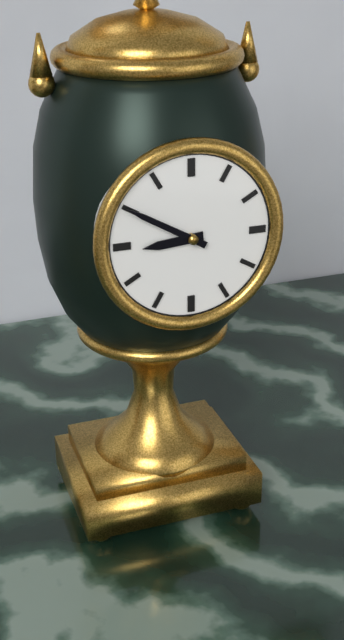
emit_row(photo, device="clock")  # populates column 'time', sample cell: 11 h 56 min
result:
8 h 50 min
